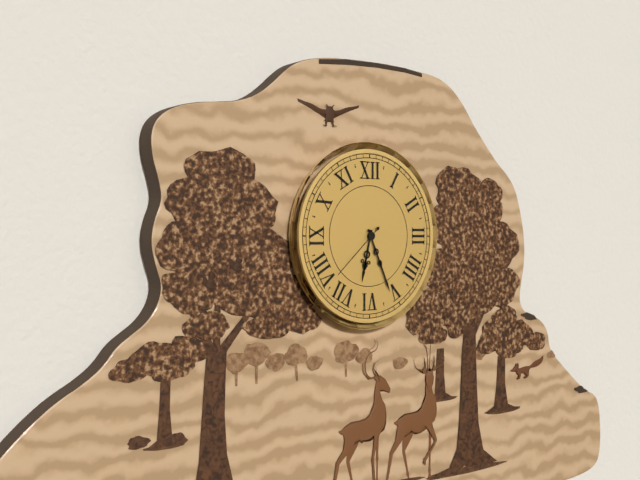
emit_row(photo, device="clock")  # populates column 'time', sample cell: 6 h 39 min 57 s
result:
6 h 26 min 38 s
